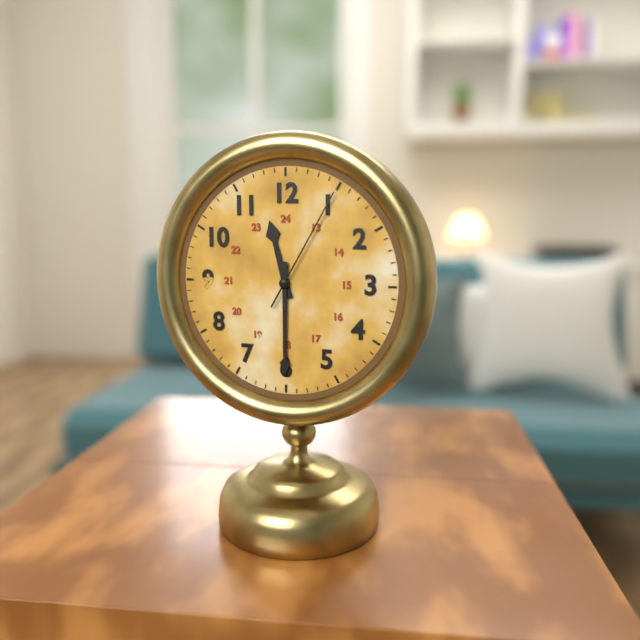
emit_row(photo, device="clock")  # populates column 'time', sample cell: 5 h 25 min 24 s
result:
11 h 30 min 05 s
